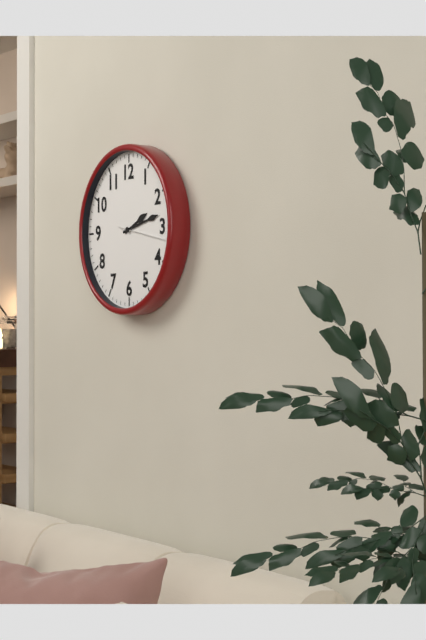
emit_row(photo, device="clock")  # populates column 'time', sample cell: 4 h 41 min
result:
2 h 13 min
